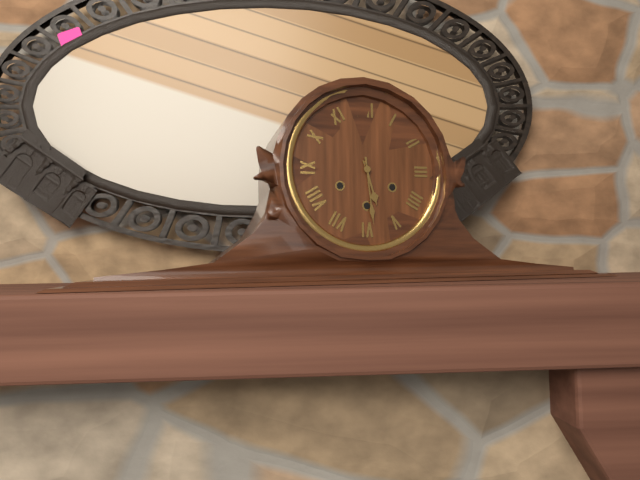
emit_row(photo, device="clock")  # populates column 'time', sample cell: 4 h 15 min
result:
5 h 29 min
